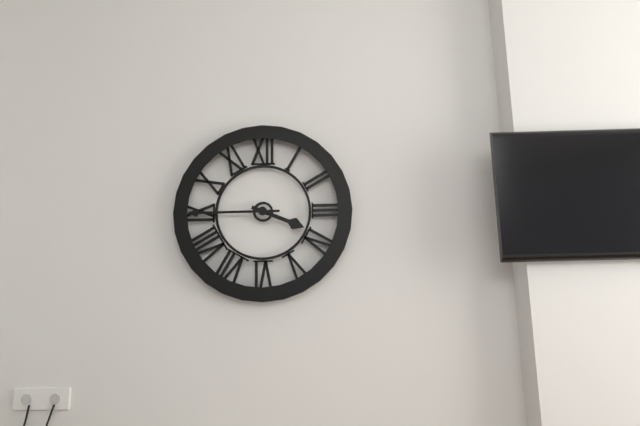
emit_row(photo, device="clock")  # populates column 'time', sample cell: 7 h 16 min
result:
3 h 45 min
